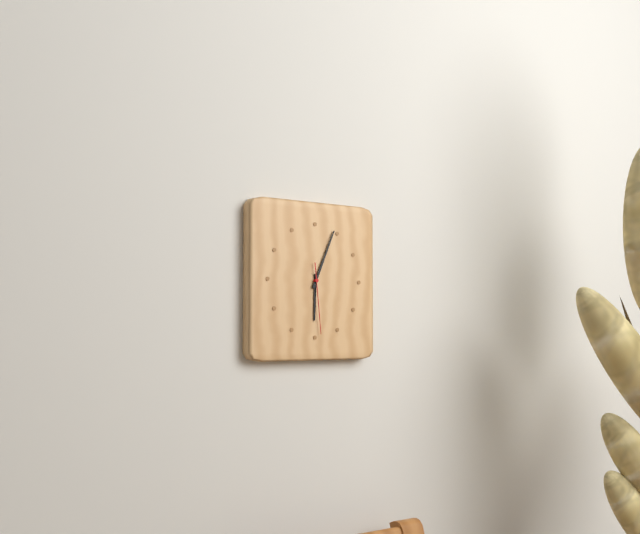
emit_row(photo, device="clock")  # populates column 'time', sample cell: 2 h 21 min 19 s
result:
6 h 04 min 29 s
